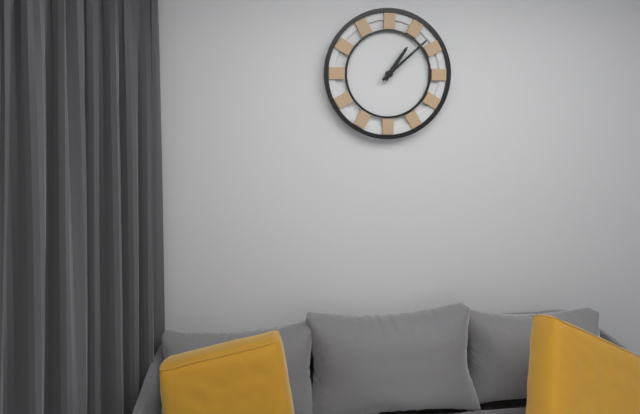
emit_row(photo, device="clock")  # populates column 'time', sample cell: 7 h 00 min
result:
1 h 08 min
